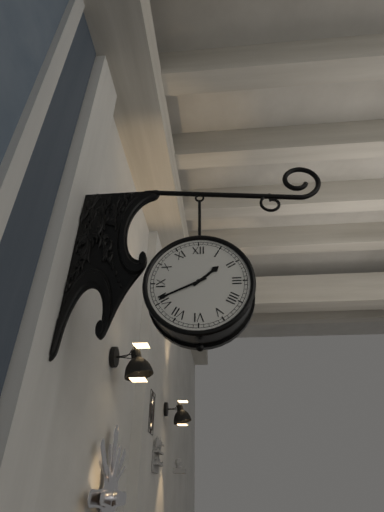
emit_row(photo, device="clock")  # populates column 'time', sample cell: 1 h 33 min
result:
1 h 41 min
